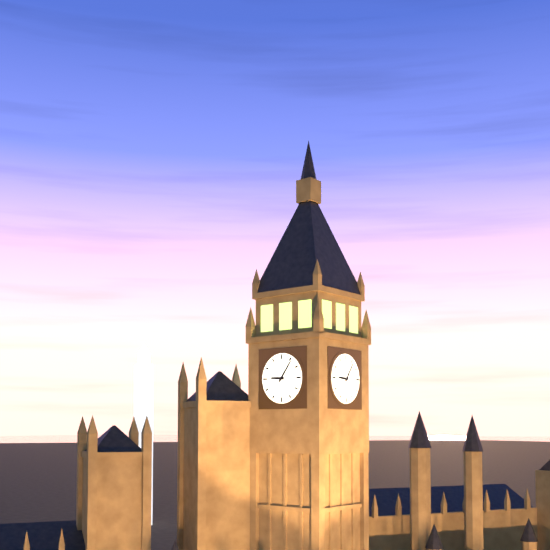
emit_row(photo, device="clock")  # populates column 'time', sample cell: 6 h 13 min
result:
9 h 06 min
